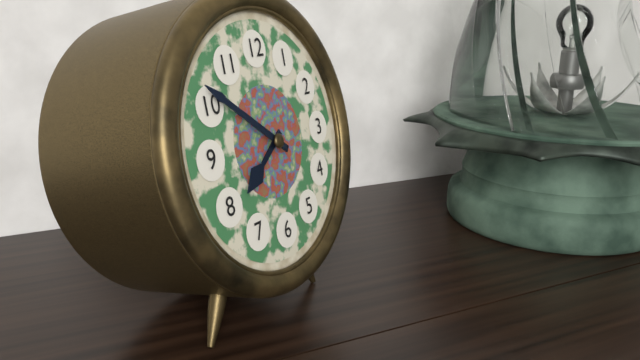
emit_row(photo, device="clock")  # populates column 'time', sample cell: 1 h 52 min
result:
7 h 51 min
